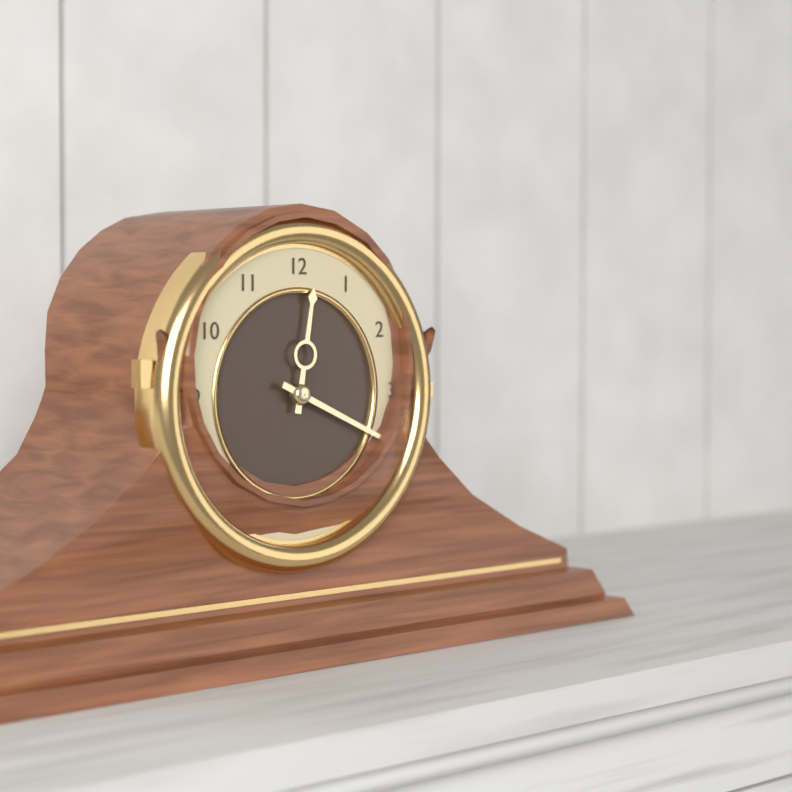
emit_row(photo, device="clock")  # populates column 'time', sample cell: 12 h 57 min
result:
12 h 19 min
